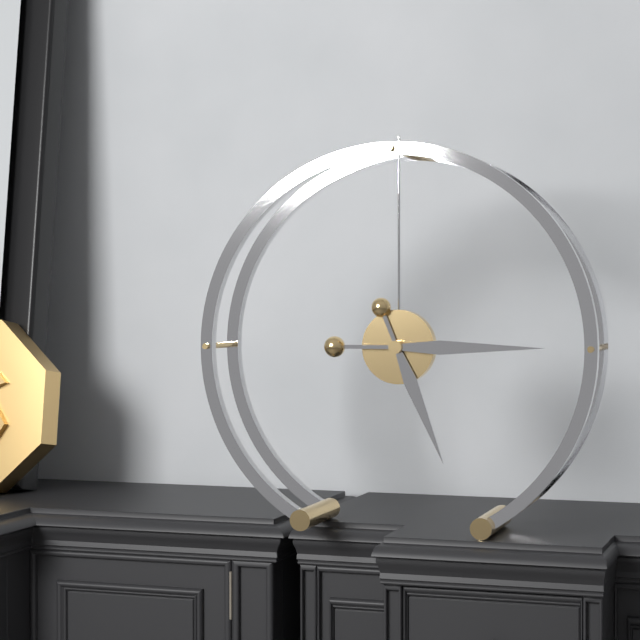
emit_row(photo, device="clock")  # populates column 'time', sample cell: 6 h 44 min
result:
5 h 15 min
